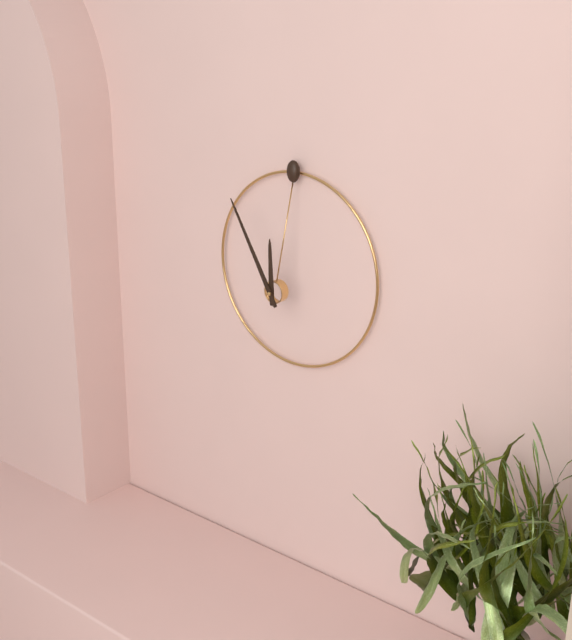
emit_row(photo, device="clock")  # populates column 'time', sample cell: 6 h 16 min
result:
11 h 55 min
